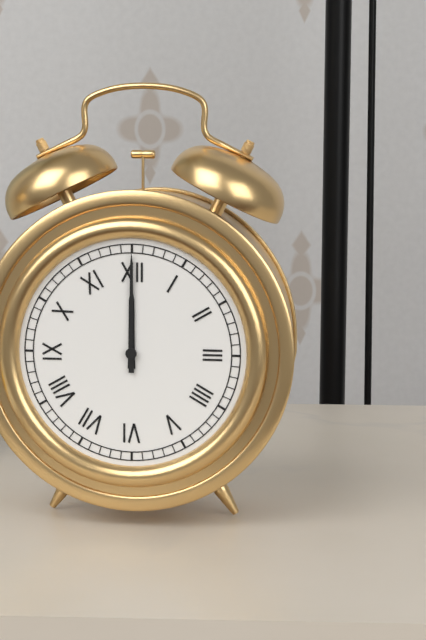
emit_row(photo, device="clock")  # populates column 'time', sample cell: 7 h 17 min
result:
12 h 00 min
